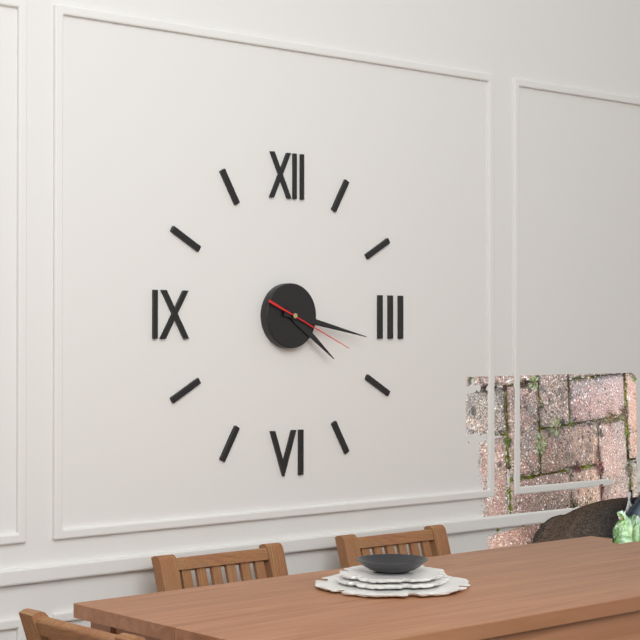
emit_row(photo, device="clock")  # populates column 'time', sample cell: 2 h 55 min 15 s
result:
4 h 17 min 19 s
